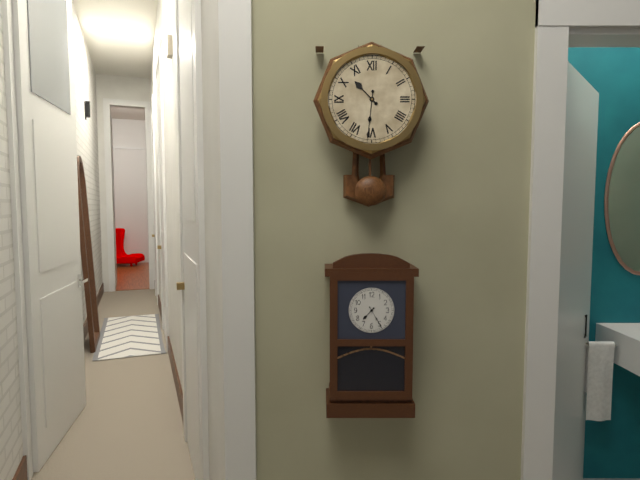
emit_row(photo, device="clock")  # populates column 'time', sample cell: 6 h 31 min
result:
10 h 31 min
